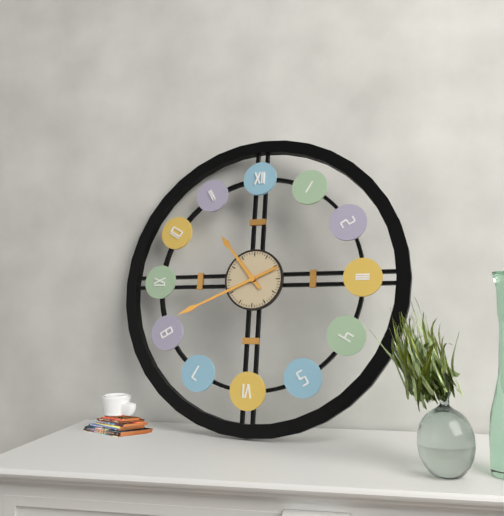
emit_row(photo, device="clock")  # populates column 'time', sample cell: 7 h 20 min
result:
10 h 41 min
